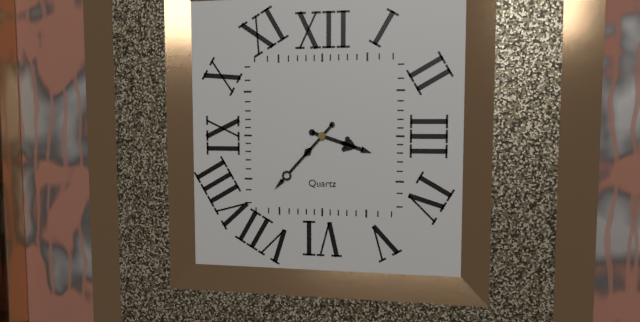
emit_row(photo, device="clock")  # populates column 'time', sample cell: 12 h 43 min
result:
3 h 37 min
